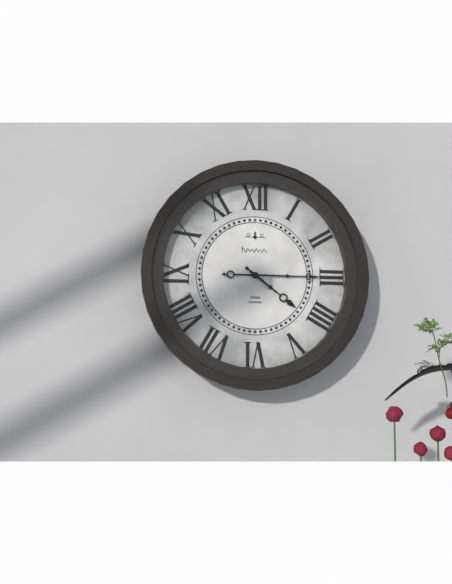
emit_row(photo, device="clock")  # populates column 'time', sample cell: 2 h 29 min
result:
4 h 15 min
